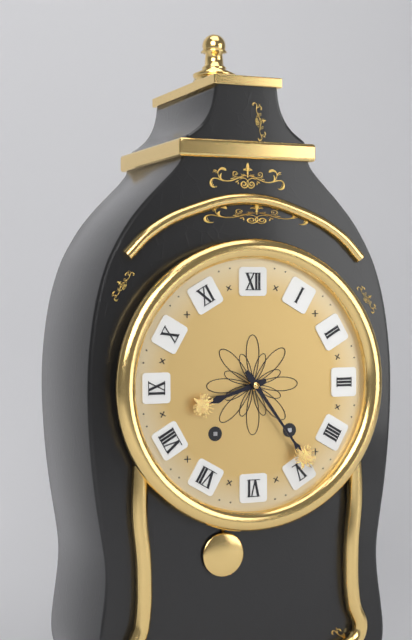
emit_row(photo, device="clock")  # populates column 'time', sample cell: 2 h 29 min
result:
8 h 24 min
